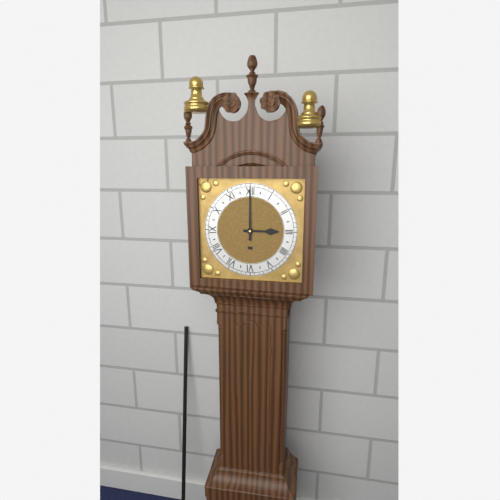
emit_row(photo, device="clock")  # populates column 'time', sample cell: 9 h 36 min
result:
3 h 00 min
